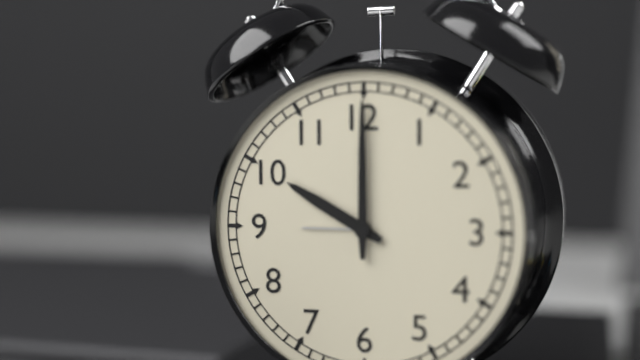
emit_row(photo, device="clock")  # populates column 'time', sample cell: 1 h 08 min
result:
10 h 00 min
